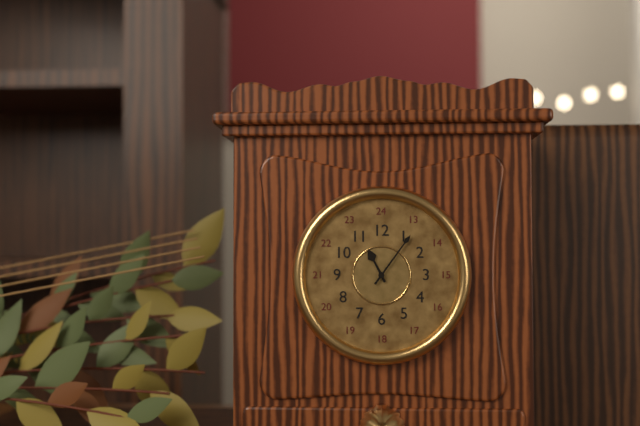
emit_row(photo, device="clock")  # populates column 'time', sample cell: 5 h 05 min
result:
11 h 06 min
